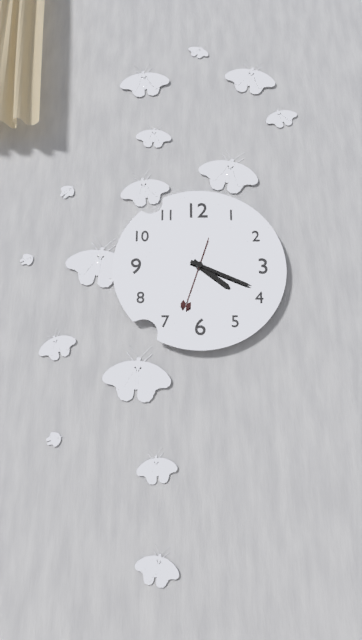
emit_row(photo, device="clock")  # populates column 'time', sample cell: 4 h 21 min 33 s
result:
4 h 19 min 33 s
